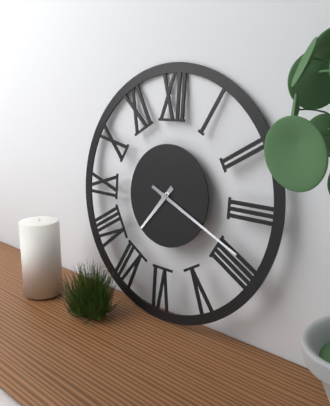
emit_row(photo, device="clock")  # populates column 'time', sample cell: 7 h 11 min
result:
7 h 19 min
